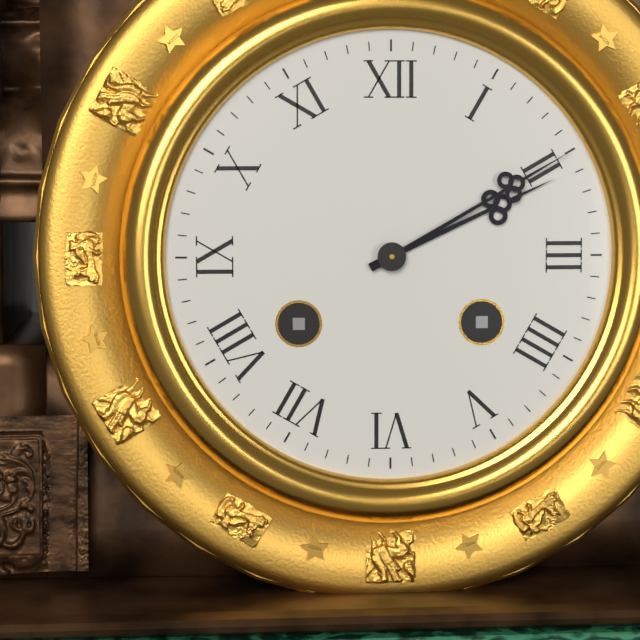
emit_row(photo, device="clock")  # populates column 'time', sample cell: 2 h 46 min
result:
2 h 10 min
